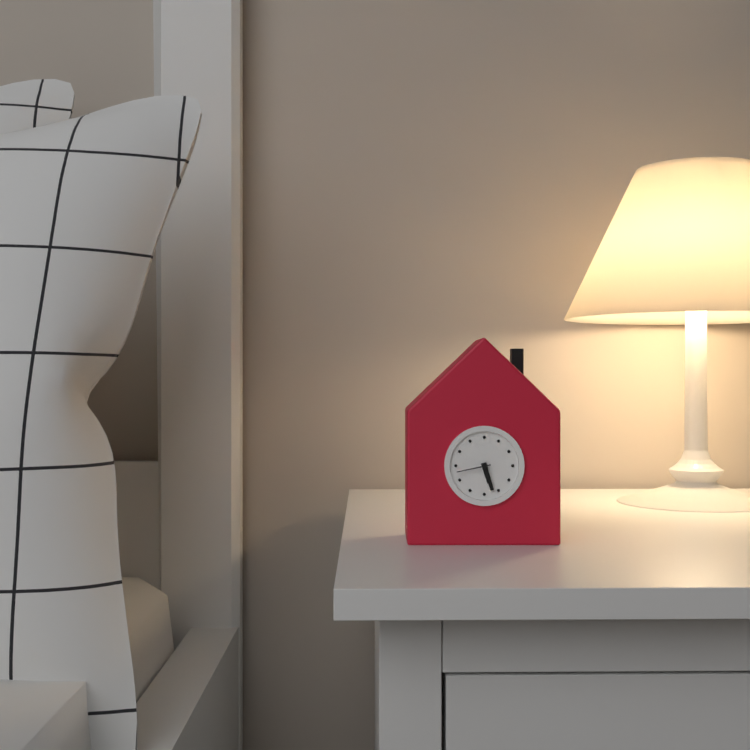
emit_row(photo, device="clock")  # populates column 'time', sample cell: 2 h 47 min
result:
5 h 27 min
